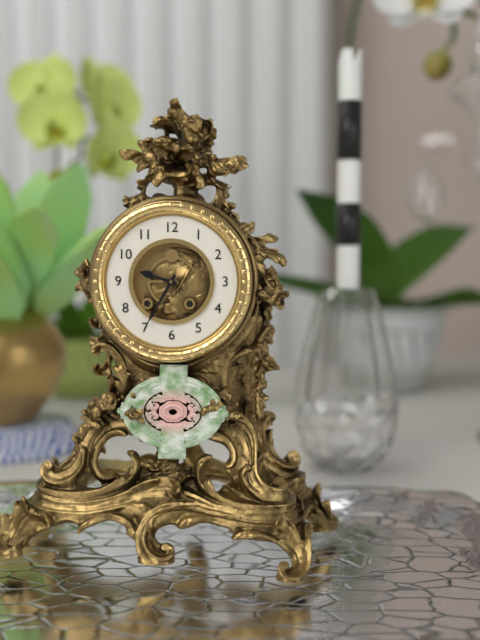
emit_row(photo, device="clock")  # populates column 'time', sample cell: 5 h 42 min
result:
9 h 35 min
